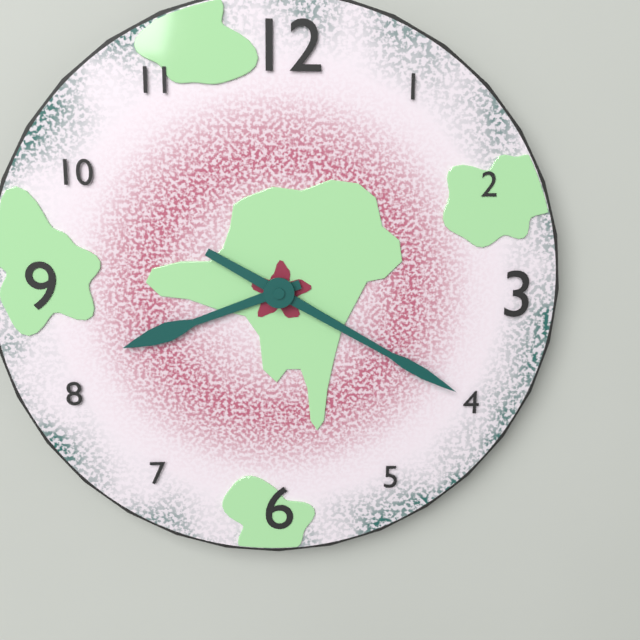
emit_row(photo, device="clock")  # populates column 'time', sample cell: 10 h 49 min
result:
8 h 20 min
